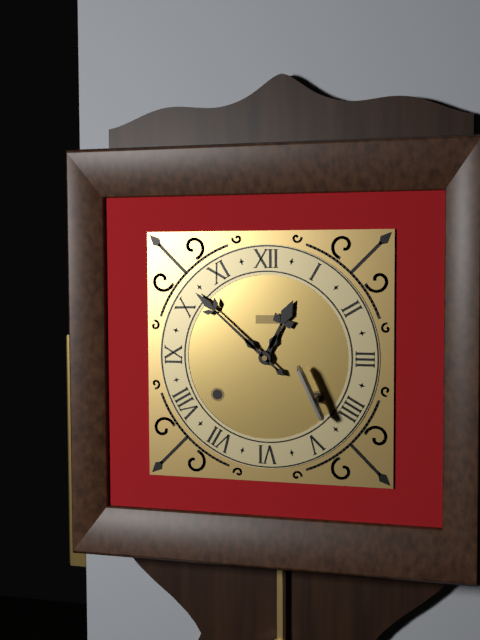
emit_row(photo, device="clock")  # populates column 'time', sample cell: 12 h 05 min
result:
12 h 52 min
